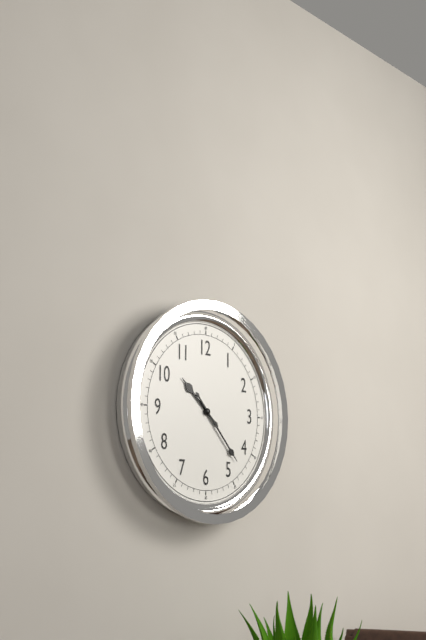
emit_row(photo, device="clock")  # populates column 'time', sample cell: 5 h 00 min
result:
10 h 23 min
